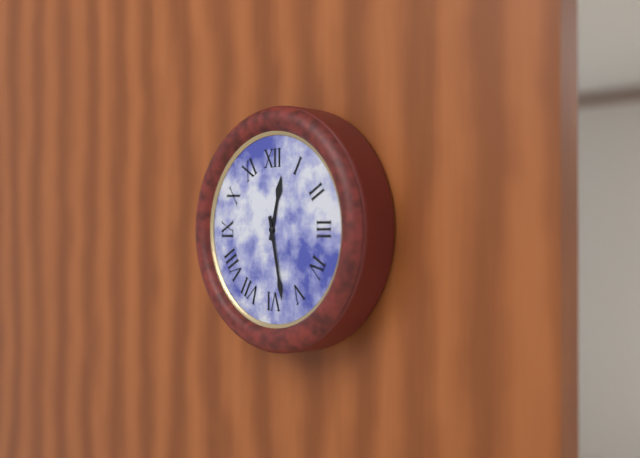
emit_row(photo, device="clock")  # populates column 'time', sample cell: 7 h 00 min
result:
12 h 28 min
